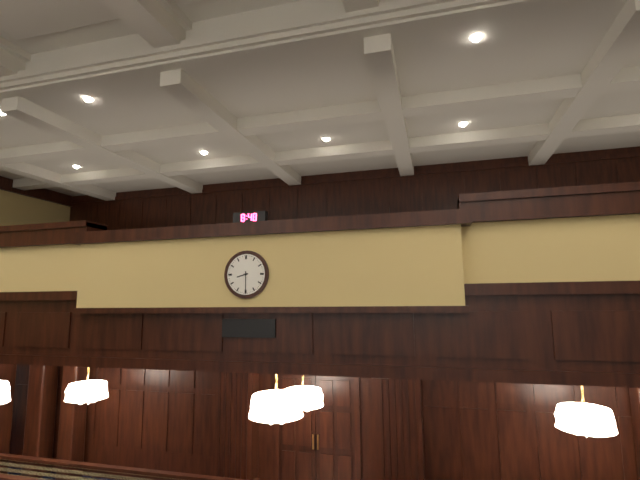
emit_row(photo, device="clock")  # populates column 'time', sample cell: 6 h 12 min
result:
8 h 30 min
